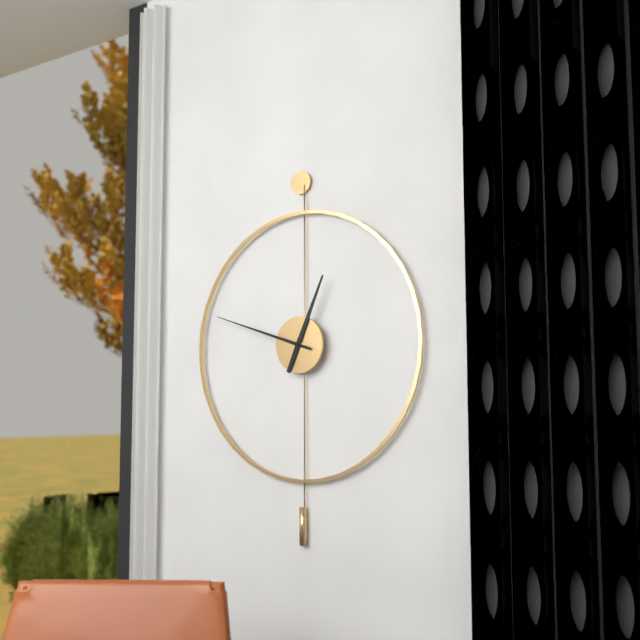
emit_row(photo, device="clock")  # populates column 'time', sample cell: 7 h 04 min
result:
12 h 48 min
